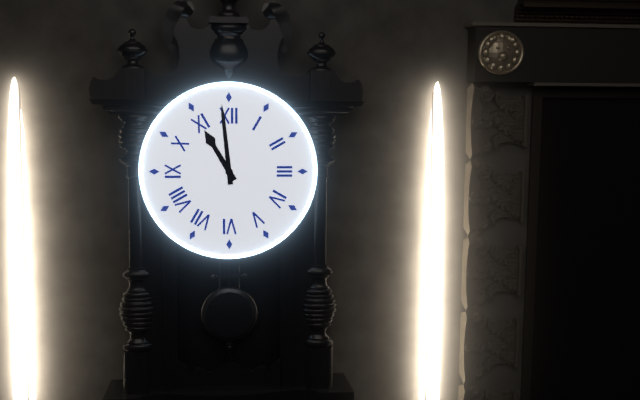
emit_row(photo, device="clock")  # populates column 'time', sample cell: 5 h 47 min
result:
10 h 59 min
